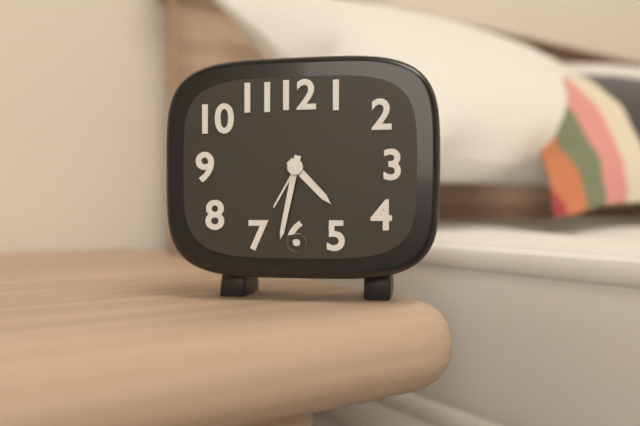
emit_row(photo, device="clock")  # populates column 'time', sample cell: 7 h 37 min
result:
4 h 32 min
